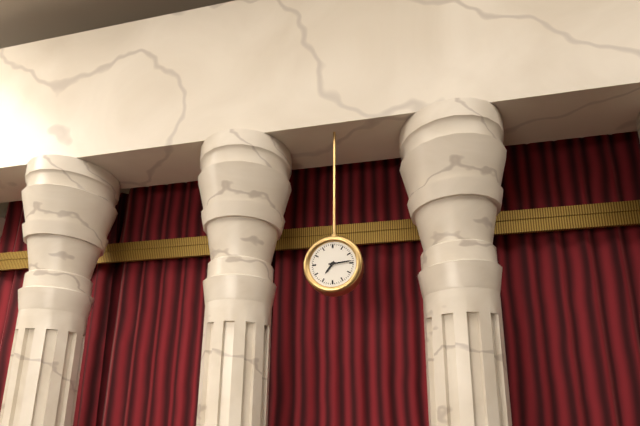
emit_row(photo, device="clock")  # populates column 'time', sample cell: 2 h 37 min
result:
7 h 14 min
